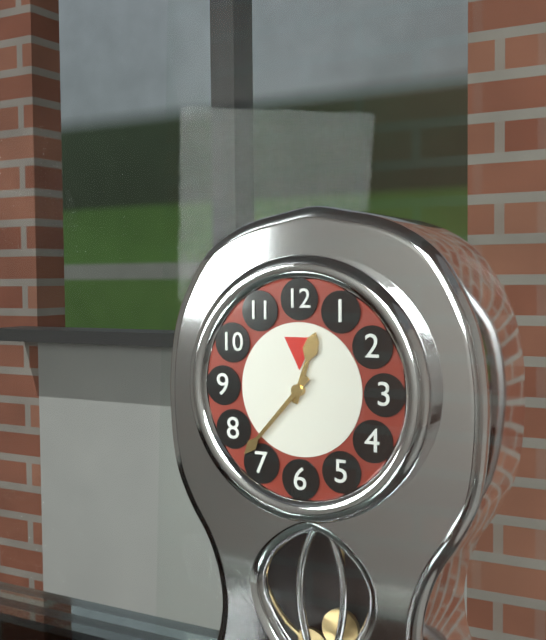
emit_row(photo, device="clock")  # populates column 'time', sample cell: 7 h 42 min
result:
12 h 37 min
